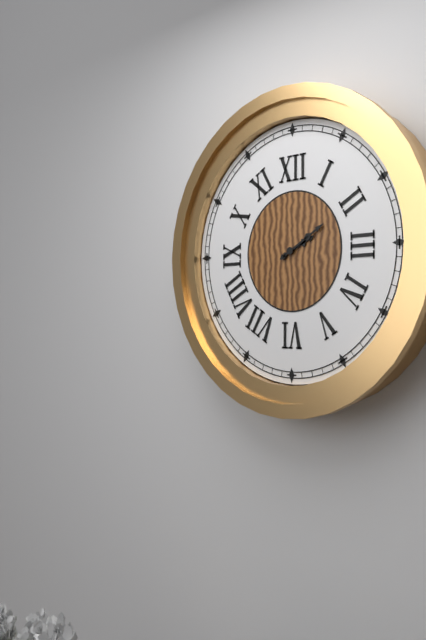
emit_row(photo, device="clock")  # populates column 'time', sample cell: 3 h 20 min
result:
2 h 10 min
